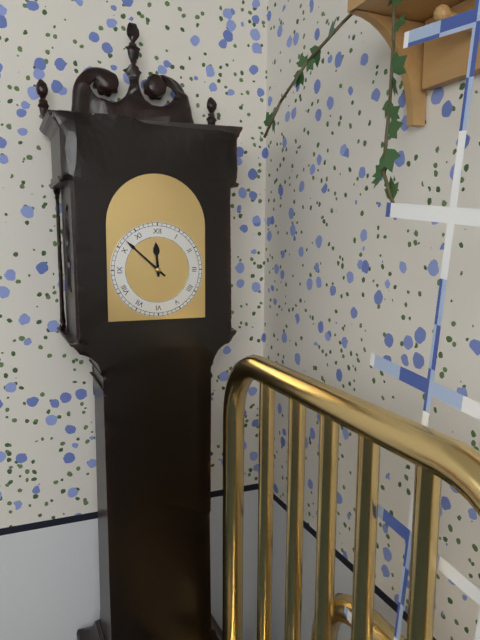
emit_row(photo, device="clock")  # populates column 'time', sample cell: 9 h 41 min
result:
11 h 52 min
